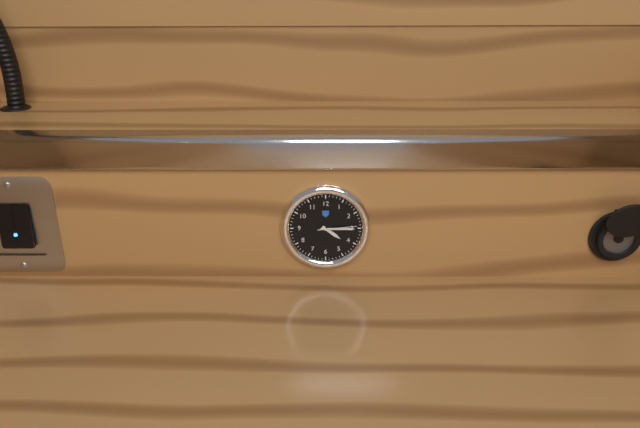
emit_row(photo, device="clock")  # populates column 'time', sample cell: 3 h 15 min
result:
4 h 15 min
